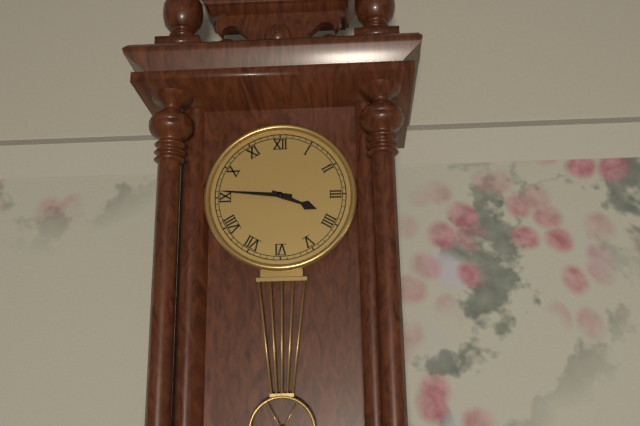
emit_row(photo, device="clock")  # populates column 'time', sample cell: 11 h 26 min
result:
3 h 46 min
